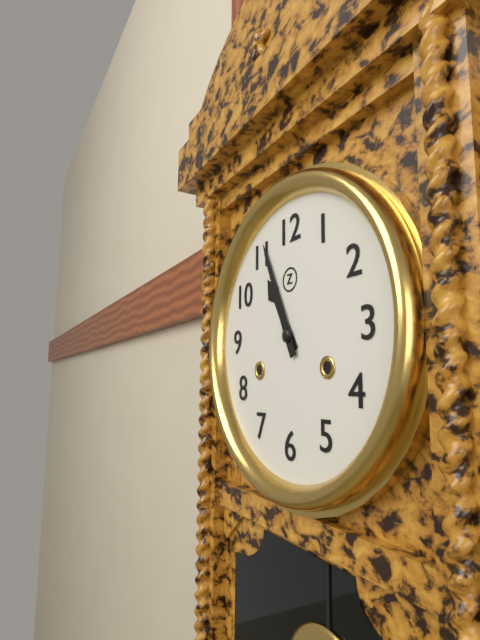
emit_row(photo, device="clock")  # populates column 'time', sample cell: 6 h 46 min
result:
10 h 56 min
